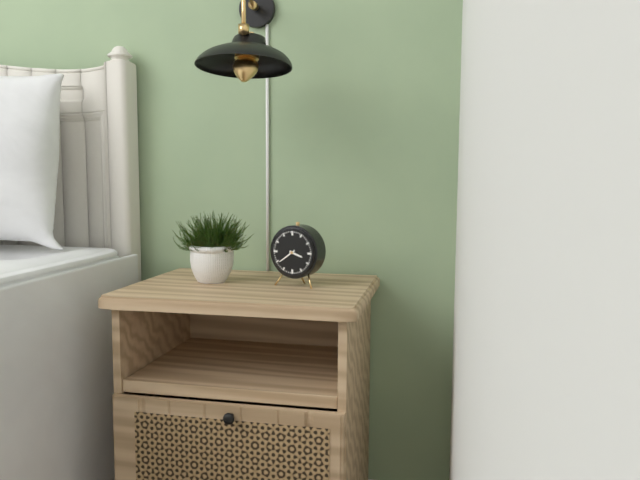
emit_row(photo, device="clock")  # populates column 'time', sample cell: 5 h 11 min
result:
3 h 39 min
